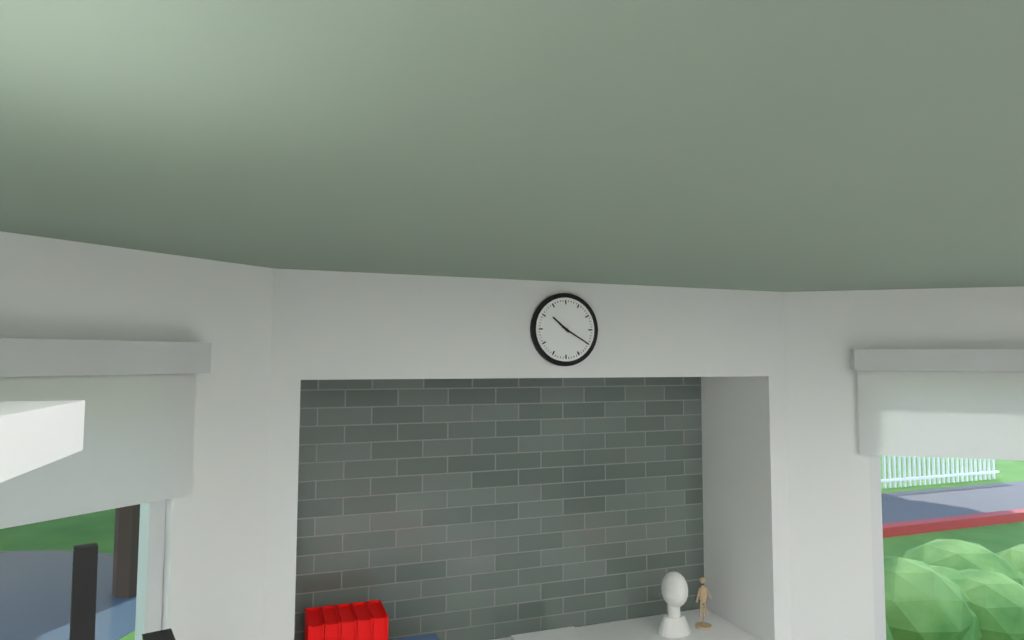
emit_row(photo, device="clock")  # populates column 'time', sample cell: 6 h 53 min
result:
10 h 20 min
